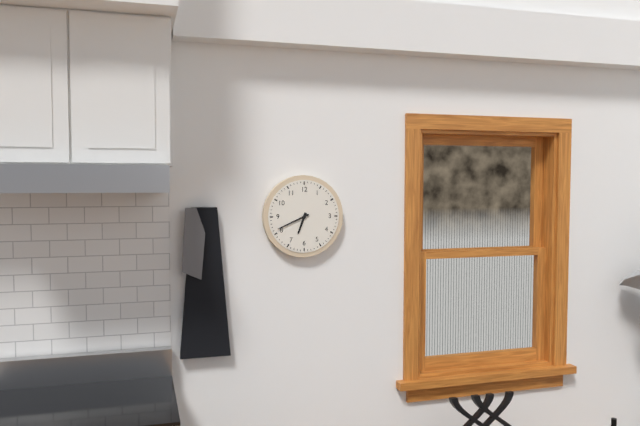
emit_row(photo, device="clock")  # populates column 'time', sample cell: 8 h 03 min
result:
6 h 41 min
